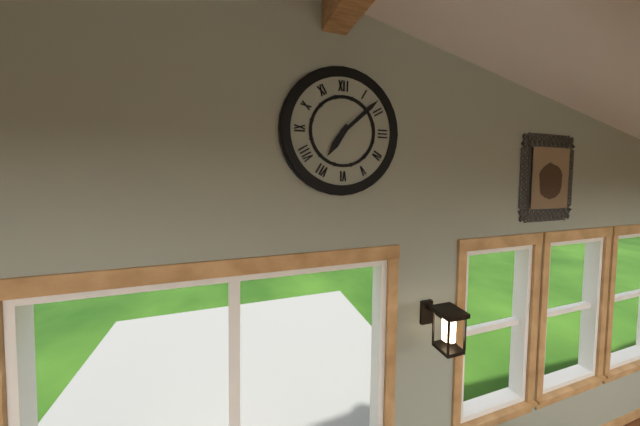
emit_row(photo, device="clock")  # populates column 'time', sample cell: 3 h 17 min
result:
7 h 08 min
